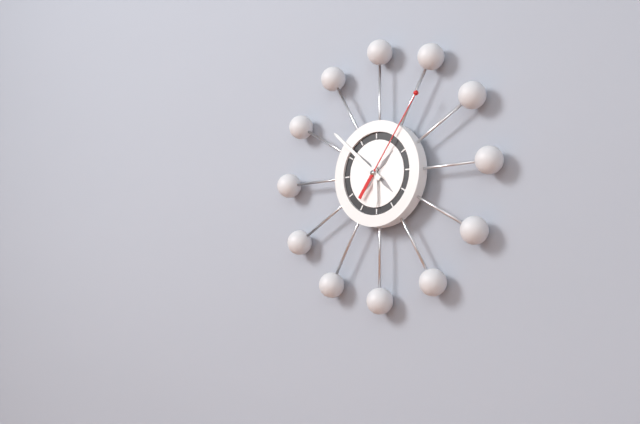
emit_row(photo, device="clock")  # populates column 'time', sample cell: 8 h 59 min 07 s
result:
5 h 52 min 06 s
